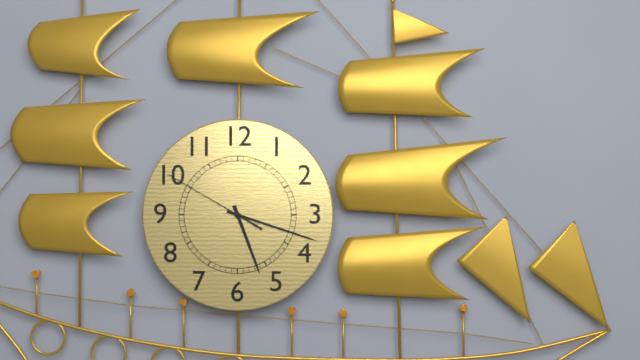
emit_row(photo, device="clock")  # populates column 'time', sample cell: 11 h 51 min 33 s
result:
5 h 18 min 50 s
